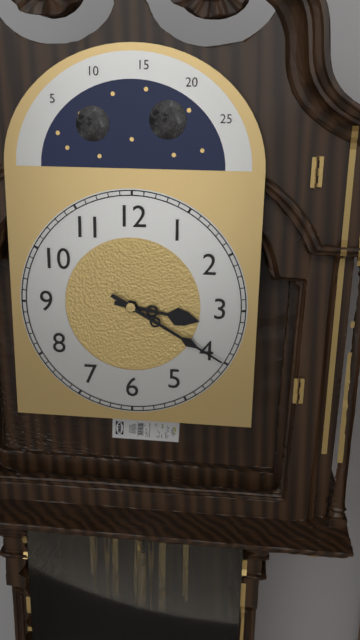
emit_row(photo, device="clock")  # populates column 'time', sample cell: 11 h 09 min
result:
3 h 20 min
